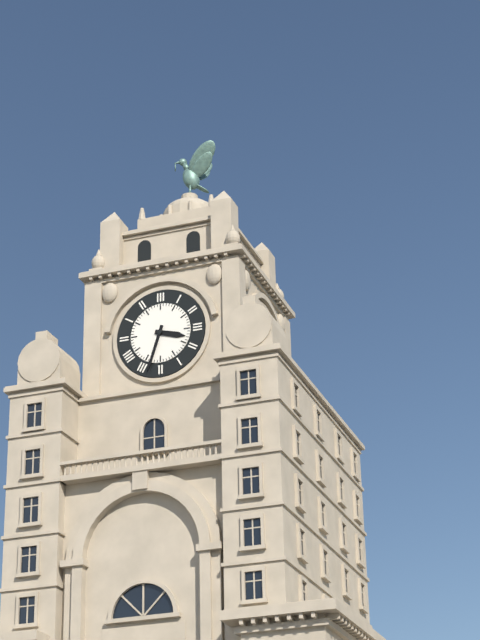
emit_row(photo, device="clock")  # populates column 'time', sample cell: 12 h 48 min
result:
3 h 33 min
